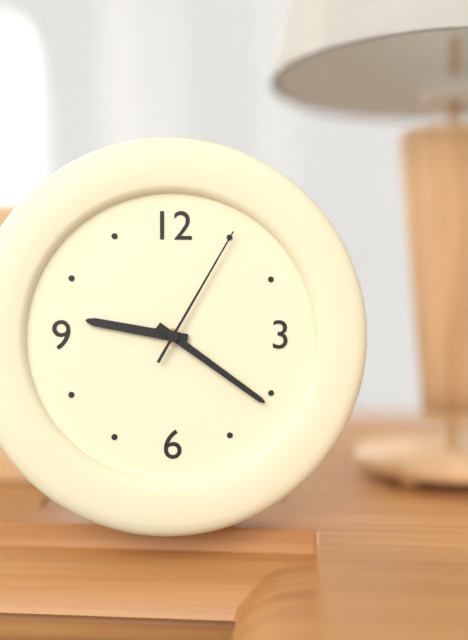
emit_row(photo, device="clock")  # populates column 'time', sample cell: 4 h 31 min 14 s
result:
9 h 21 min 05 s
